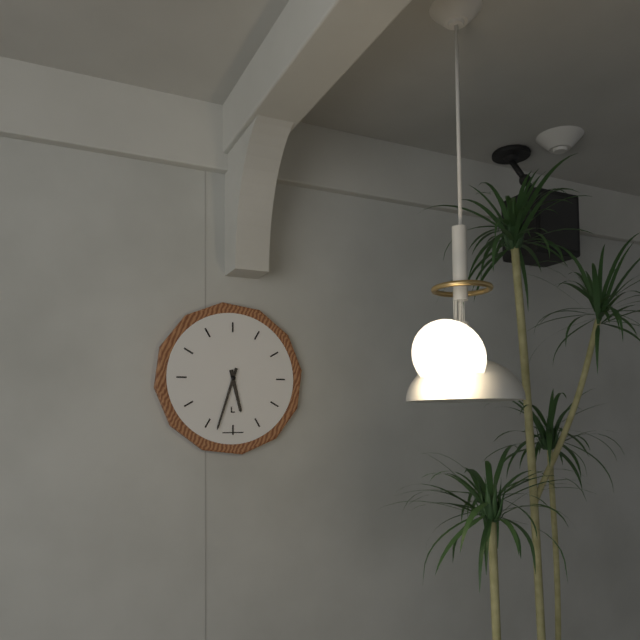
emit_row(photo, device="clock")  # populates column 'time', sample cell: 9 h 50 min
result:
5 h 33 min
